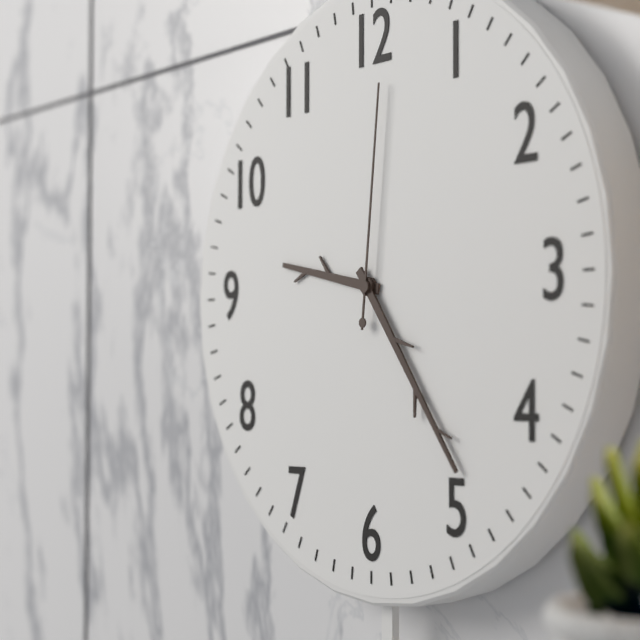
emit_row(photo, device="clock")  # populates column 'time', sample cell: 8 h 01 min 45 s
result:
9 h 24 min 01 s
